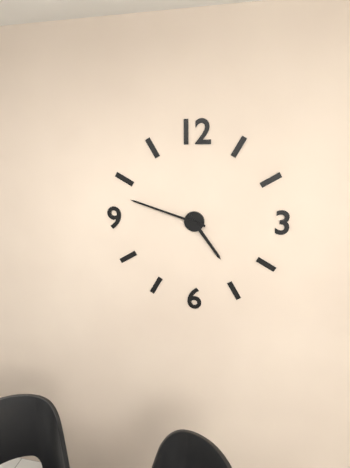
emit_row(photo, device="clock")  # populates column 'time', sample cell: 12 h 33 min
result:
4 h 48 min
